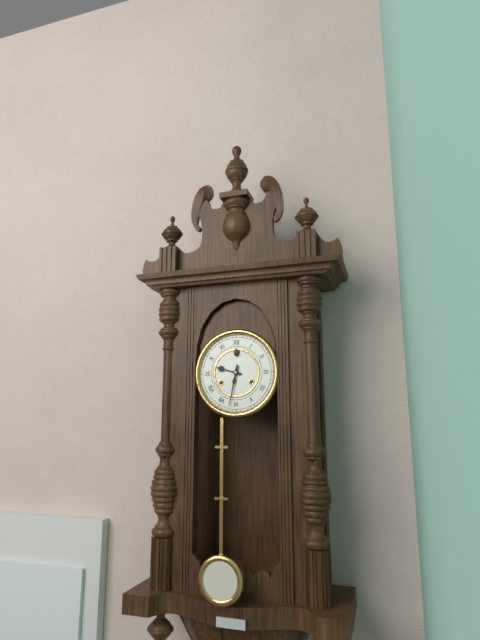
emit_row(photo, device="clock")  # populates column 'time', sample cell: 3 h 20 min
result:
9 h 32 min
